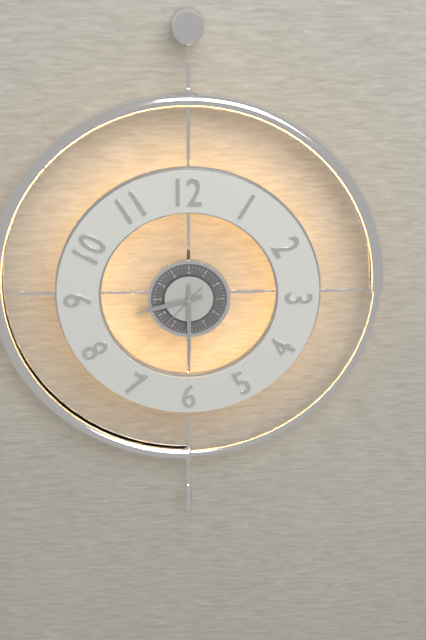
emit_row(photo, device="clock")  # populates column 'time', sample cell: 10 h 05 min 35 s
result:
8 h 30 min 37 s
